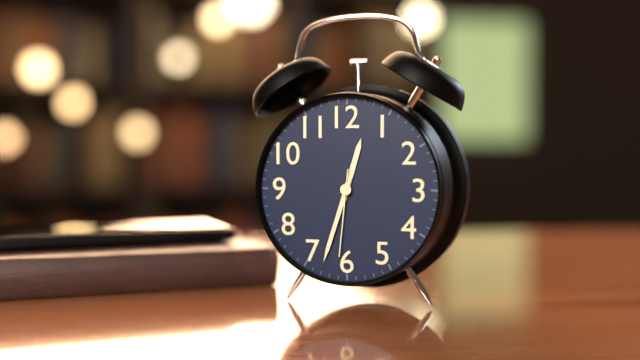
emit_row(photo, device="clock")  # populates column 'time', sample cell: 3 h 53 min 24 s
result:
12 h 33 min 31 s
